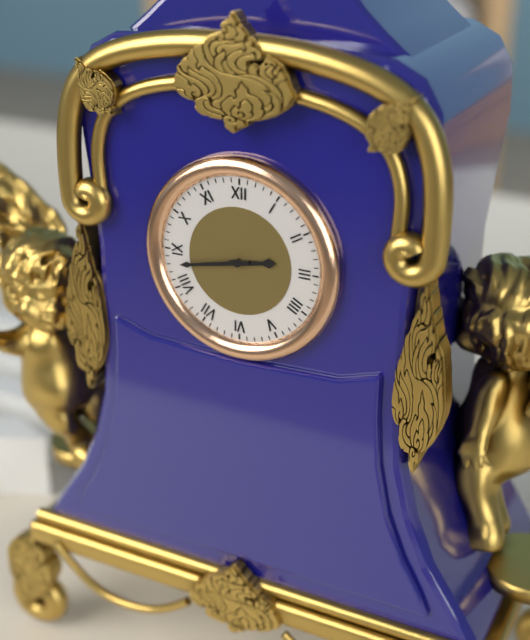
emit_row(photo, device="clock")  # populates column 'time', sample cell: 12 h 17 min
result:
2 h 43 min
